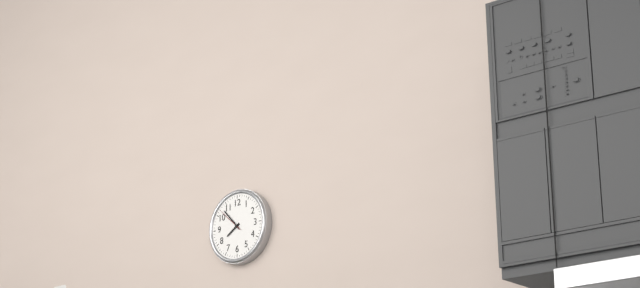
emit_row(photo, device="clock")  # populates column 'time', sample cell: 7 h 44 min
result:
7 h 53 min
